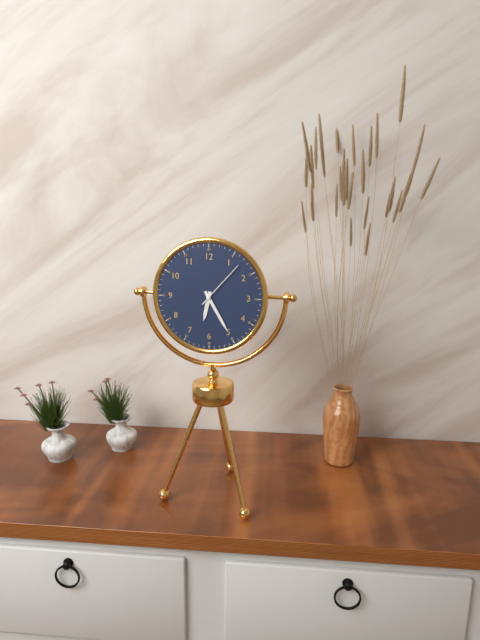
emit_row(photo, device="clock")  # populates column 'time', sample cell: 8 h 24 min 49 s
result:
6 h 25 min 07 s
